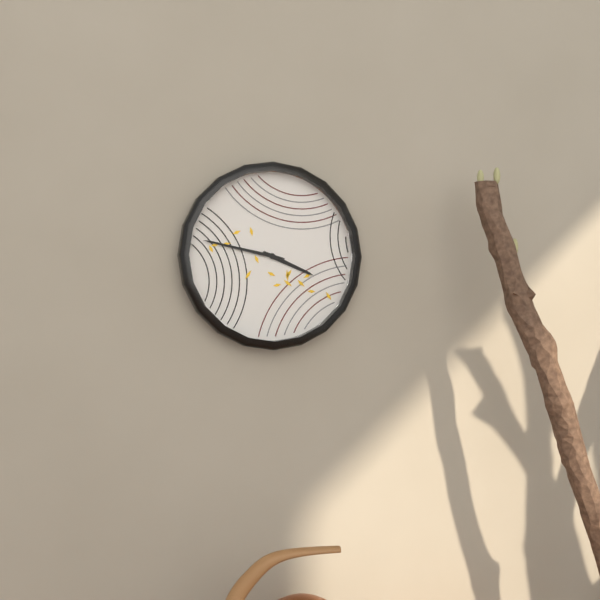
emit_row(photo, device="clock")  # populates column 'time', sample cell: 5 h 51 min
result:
3 h 47 min
